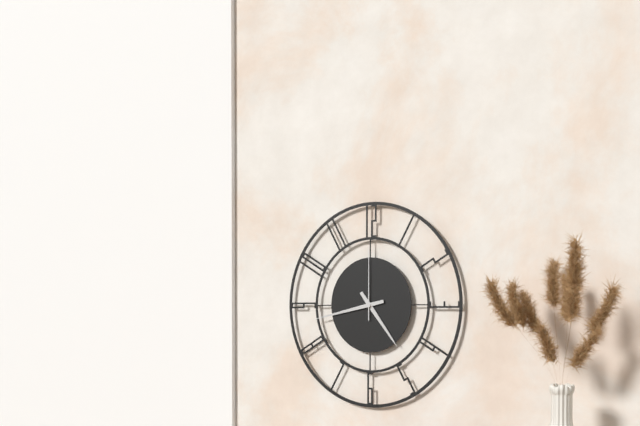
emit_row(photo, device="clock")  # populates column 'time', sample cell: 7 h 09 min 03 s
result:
4 h 43 min 00 s
